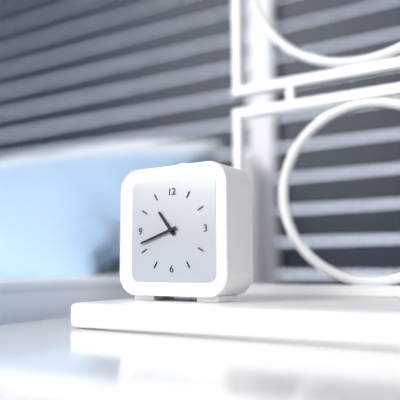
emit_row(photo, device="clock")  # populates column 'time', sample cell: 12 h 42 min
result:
10 h 42 min
